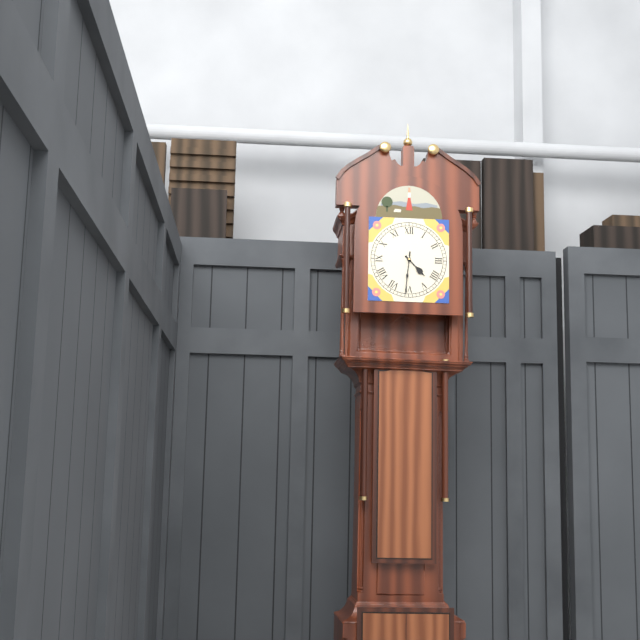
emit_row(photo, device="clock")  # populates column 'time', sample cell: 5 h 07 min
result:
4 h 31 min
